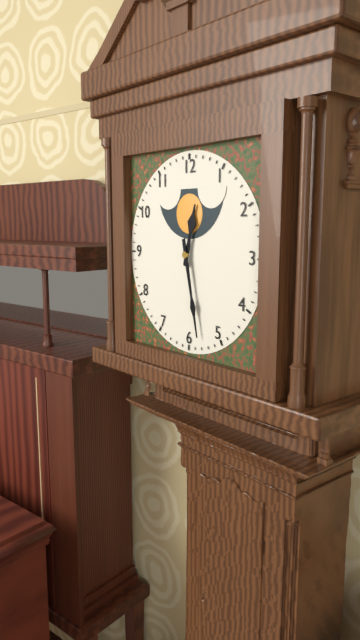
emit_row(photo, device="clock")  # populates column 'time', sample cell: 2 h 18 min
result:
12 h 28 min
